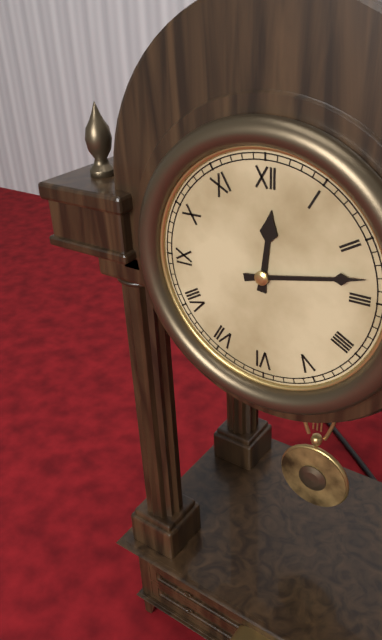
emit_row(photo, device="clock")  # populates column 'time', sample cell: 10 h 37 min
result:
12 h 13 min
